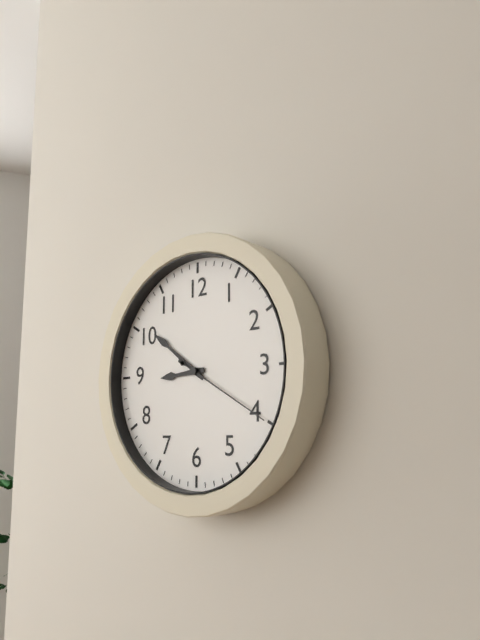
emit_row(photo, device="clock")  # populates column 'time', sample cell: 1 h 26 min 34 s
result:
8 h 51 min 20 s
